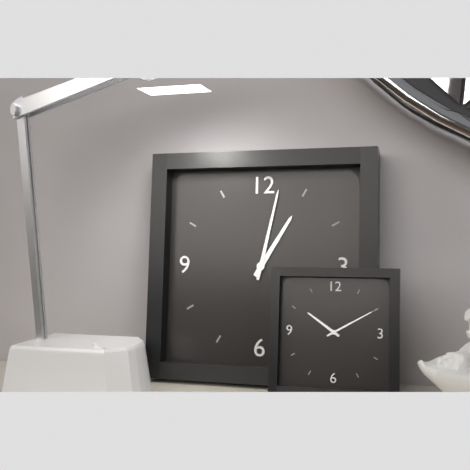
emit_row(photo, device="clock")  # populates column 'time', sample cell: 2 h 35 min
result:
1 h 02 min
